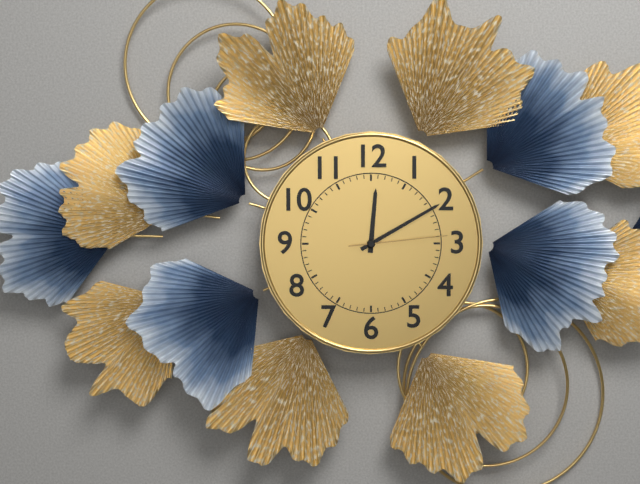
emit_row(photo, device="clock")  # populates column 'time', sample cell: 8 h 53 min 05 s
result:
12 h 10 min 14 s
